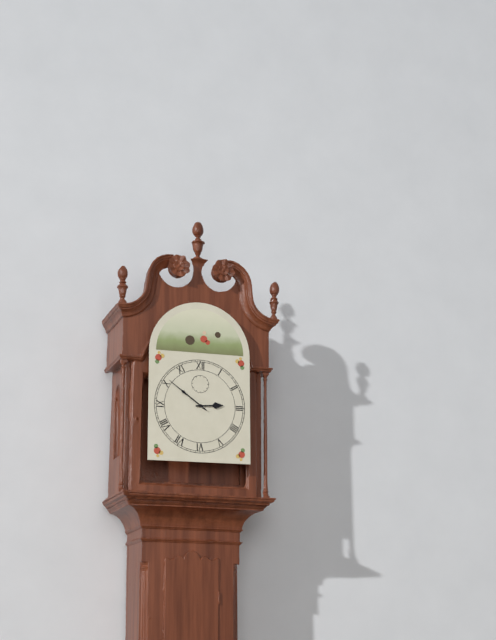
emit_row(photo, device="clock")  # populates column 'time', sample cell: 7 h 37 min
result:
2 h 51 min
